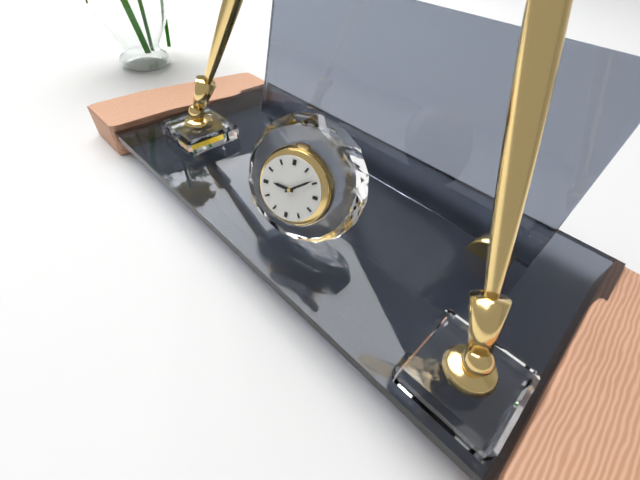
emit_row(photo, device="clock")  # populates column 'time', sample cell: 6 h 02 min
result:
9 h 09 min
